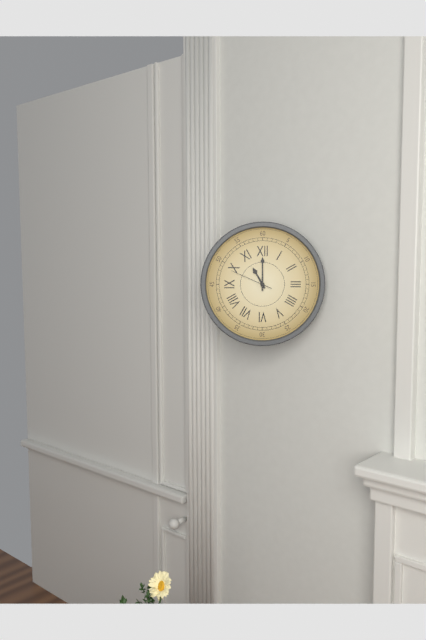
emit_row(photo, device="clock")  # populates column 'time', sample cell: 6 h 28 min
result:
11 h 00 min
